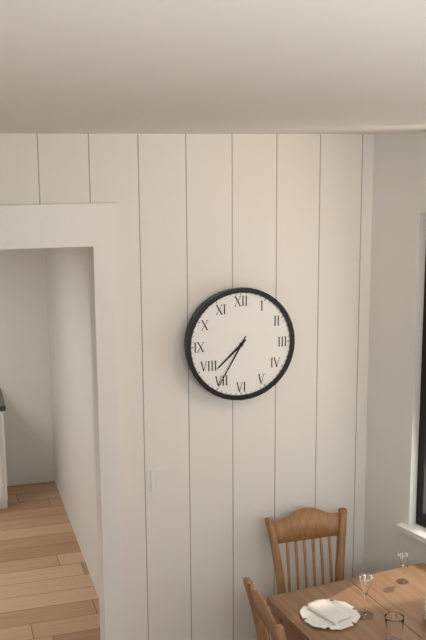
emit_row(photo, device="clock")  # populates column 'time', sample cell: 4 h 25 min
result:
7 h 35 min
